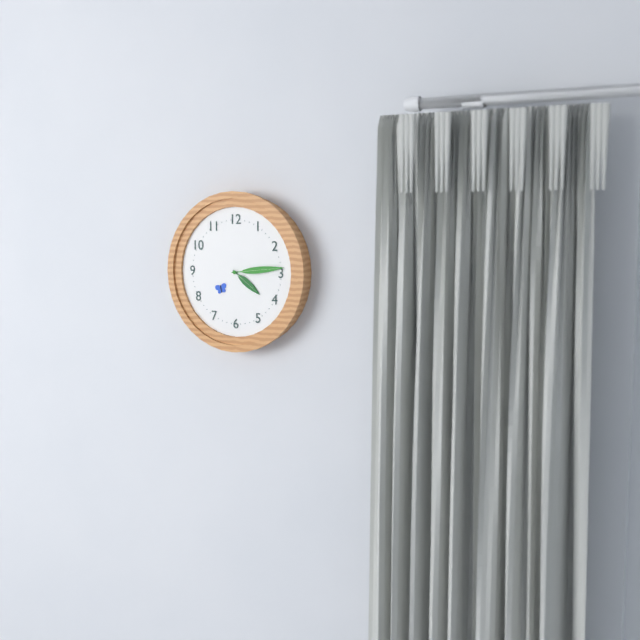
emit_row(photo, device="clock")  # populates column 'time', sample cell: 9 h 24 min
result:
4 h 14 min
